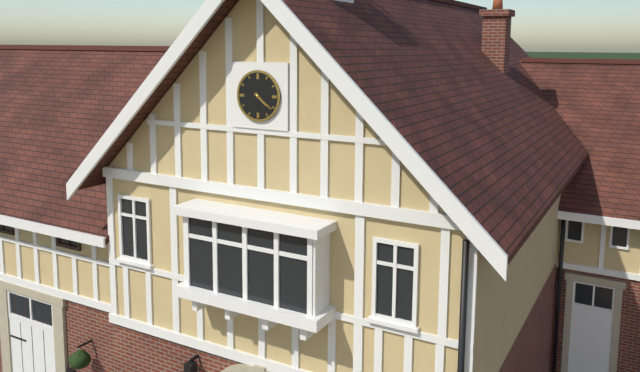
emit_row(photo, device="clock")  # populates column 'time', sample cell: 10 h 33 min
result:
4 h 21 min
